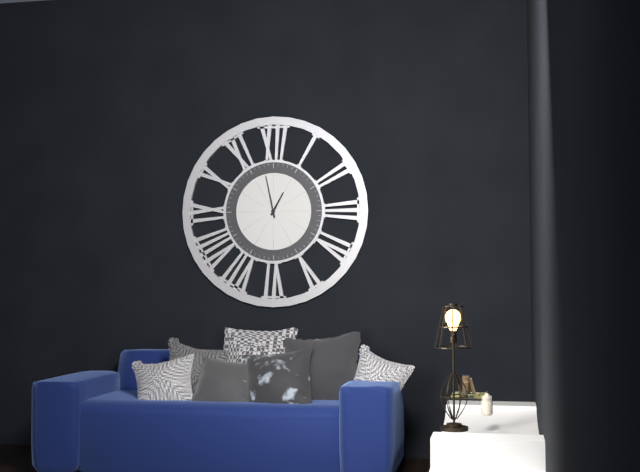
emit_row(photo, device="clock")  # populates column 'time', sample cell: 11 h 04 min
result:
12 h 58 min
